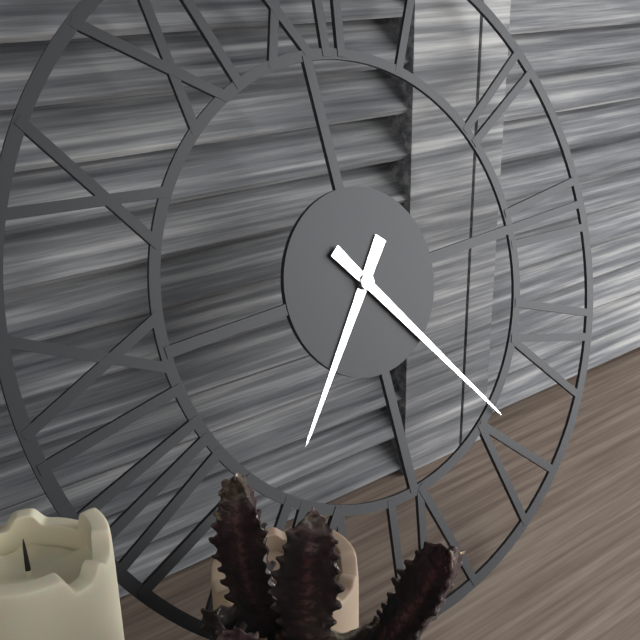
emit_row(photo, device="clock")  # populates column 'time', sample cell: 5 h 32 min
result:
7 h 24 min
